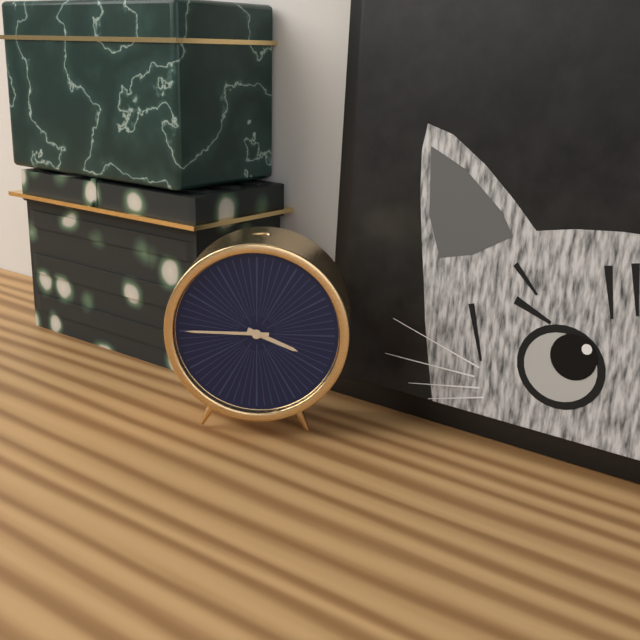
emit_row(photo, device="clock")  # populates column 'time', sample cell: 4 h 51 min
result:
3 h 45 min
